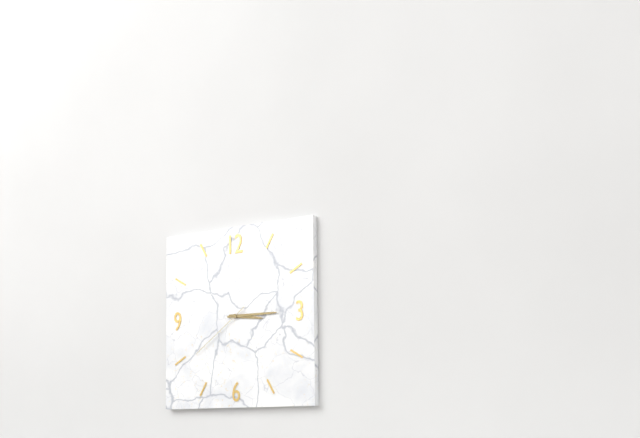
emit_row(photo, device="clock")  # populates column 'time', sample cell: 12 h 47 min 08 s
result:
3 h 15 min 39 s
